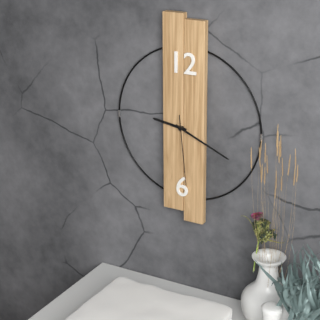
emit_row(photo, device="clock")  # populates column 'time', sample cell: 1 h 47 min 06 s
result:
9 h 19 min 29 s
